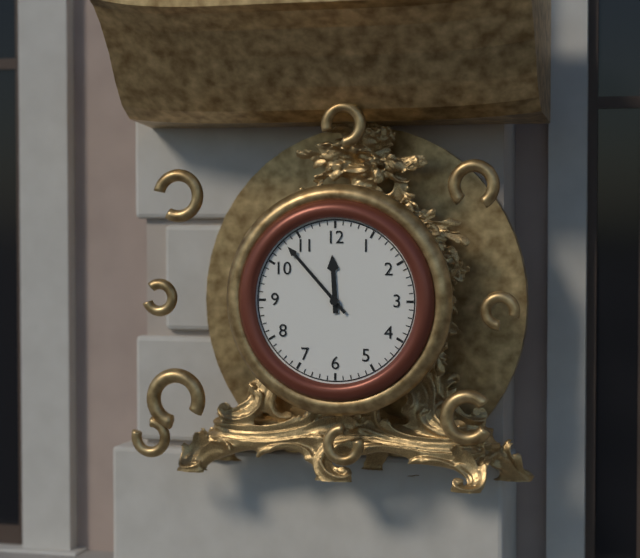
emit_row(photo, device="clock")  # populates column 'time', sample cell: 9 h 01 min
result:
11 h 53 min
